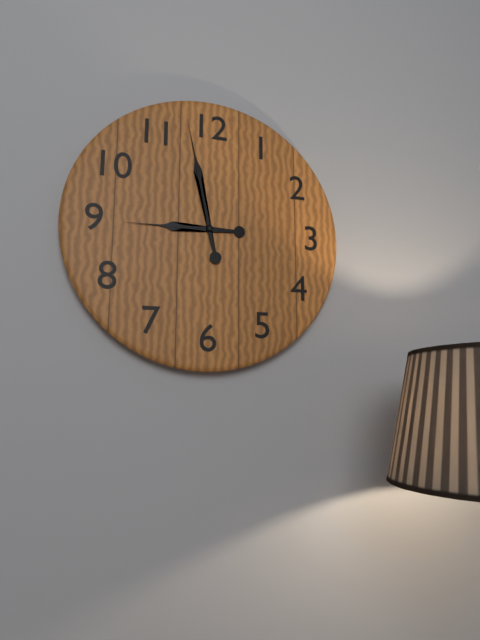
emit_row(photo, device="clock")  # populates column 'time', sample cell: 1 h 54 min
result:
8 h 58 min
